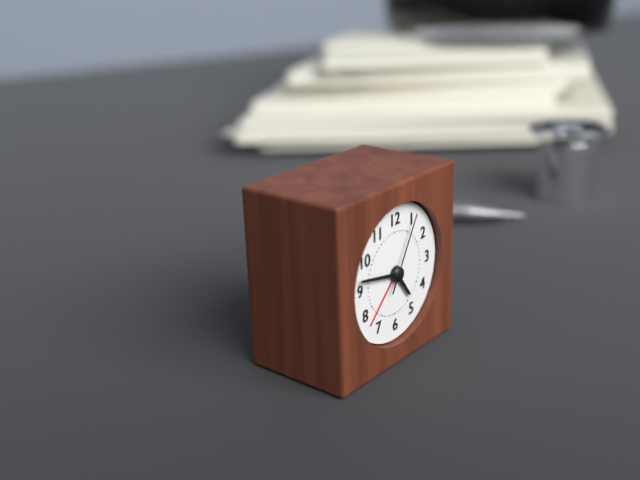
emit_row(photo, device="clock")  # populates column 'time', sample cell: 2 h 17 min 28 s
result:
4 h 47 min 05 s
